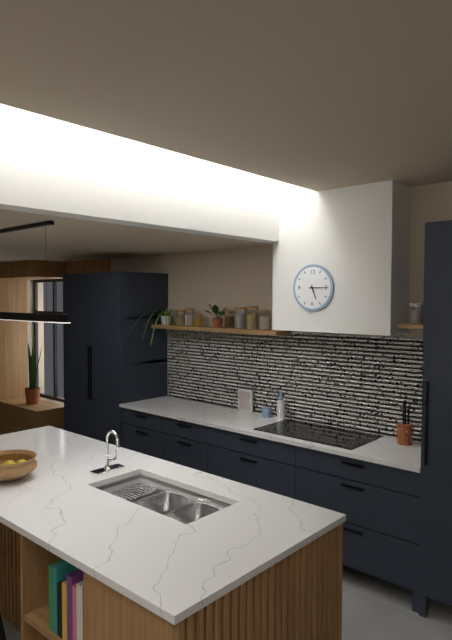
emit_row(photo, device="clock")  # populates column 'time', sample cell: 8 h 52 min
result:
5 h 15 min
